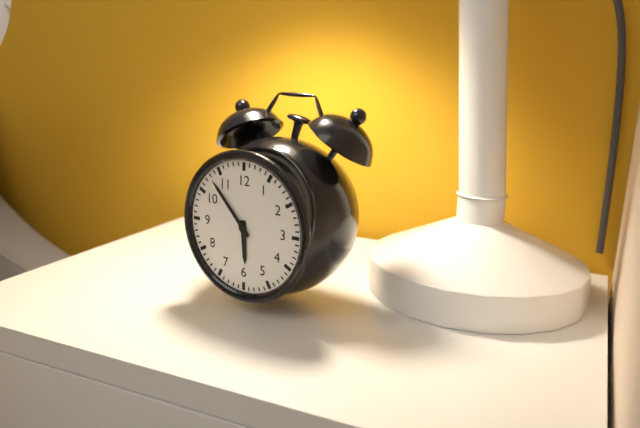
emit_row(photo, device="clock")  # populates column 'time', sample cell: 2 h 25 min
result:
5 h 53 min
